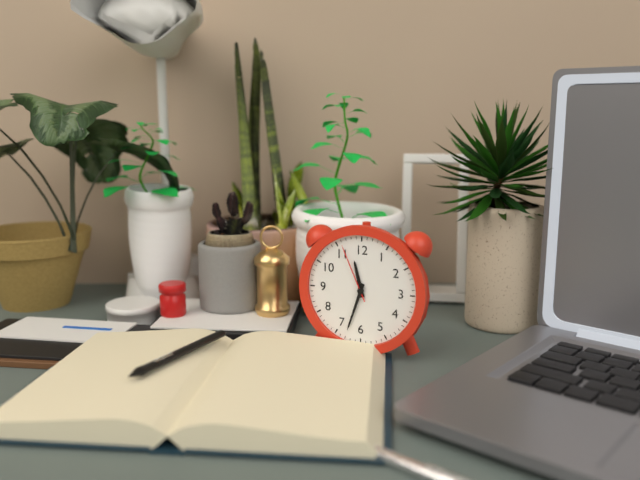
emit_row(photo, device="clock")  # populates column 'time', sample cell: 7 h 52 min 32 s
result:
11 h 33 min 56 s
